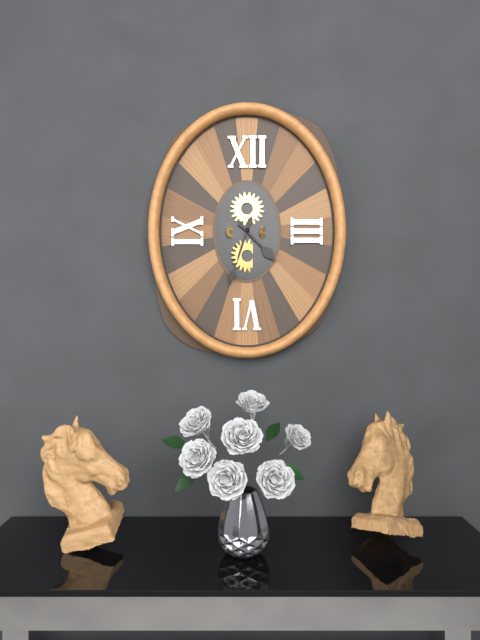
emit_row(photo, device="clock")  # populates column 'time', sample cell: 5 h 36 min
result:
4 h 33 min
